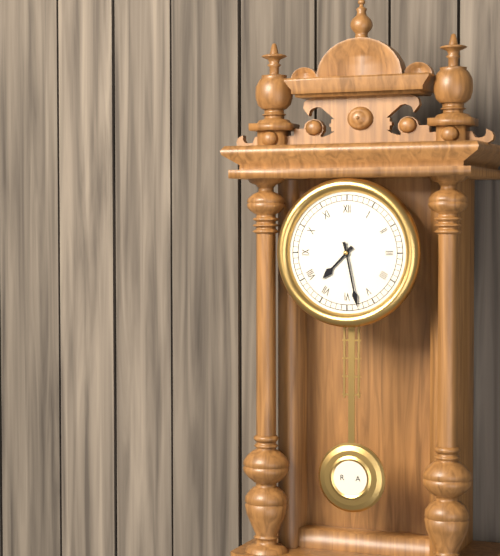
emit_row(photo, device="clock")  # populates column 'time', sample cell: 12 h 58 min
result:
7 h 28 min
